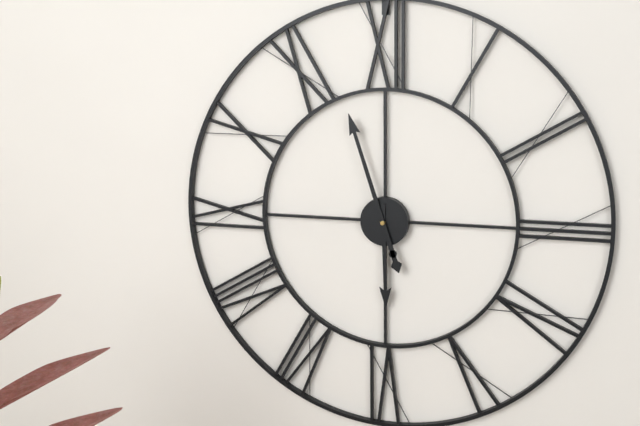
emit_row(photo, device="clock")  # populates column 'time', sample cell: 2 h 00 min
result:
5 h 57 min
